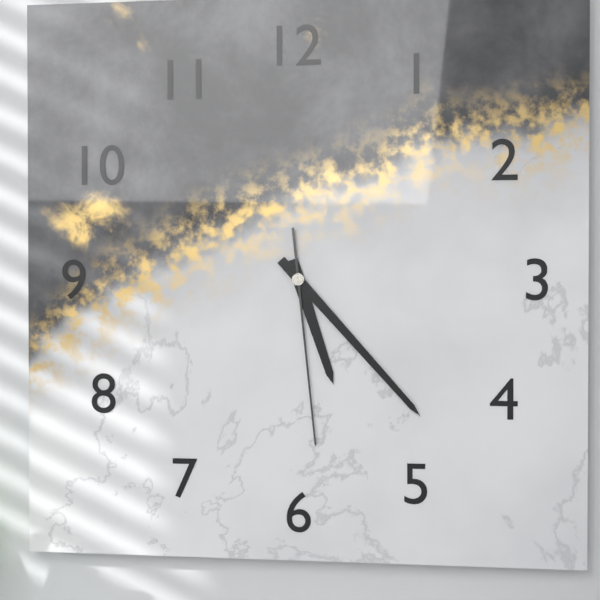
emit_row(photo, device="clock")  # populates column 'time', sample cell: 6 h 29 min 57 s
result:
5 h 23 min 29 s
